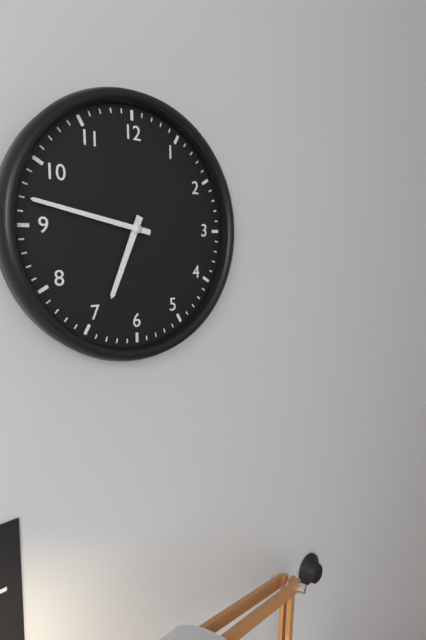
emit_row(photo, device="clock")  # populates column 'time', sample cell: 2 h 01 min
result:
6 h 47 min
